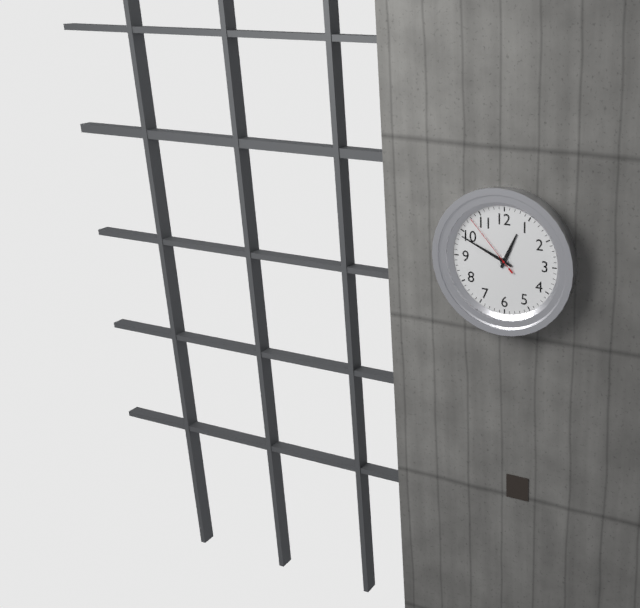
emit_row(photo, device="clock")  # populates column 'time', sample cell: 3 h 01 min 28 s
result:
12 h 49 min 53 s
